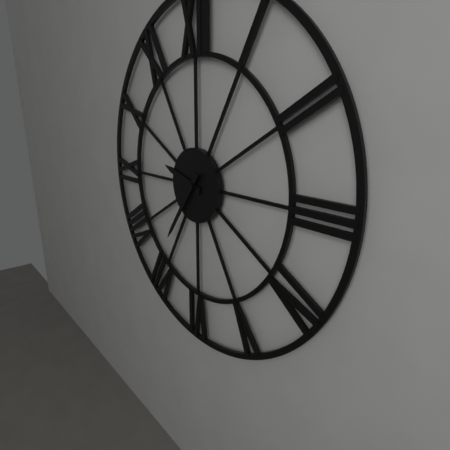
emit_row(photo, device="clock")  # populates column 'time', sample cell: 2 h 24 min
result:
9 h 36 min
